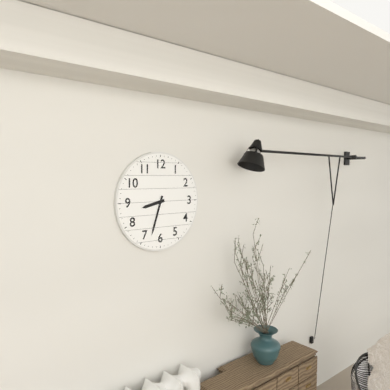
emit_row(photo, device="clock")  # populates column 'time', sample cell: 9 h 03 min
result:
8 h 33 min
